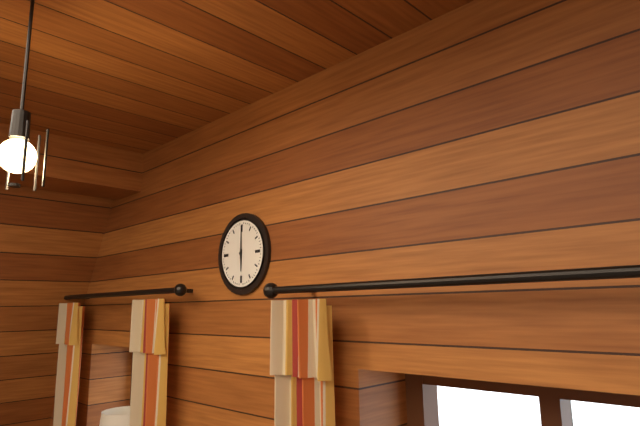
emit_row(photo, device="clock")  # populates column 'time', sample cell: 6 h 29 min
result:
6 h 00 min
